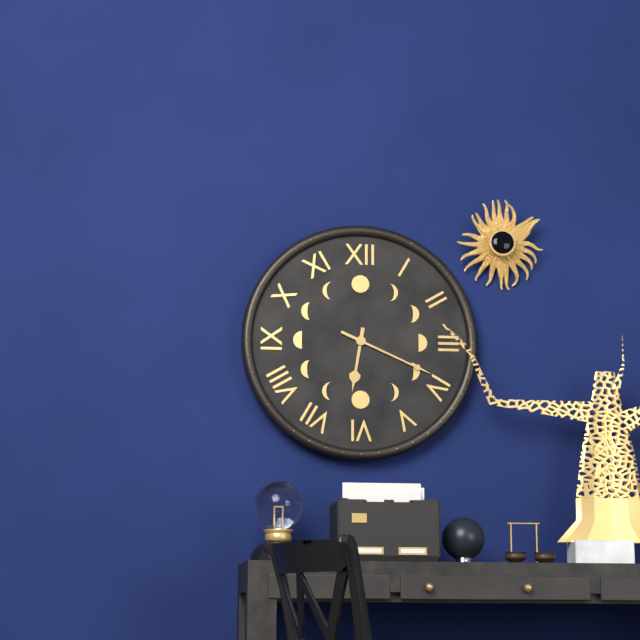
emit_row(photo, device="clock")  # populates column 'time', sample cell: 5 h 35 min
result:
6 h 19 min
